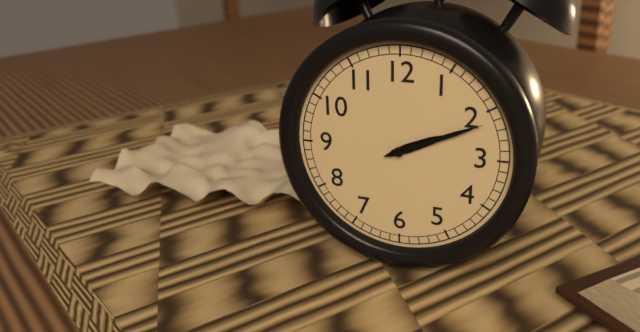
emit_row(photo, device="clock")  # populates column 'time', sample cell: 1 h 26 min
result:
2 h 11 min
